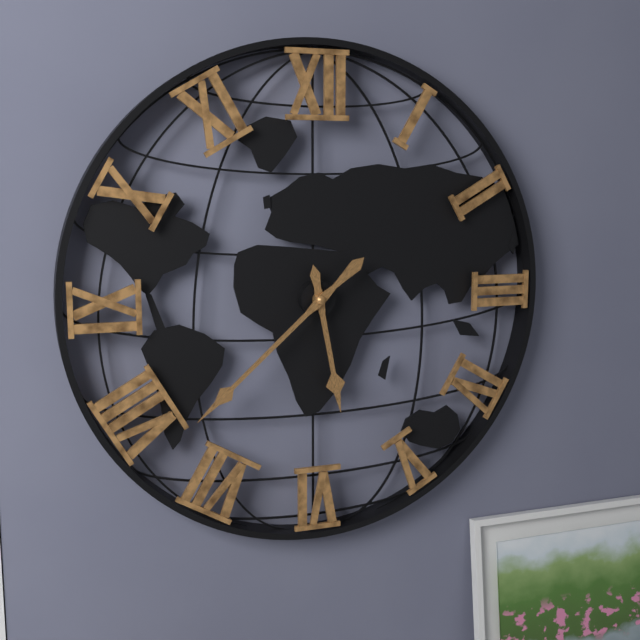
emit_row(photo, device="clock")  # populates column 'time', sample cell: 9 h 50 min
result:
5 h 38 min
